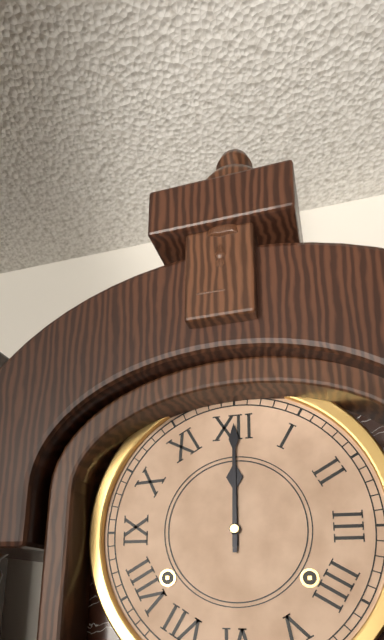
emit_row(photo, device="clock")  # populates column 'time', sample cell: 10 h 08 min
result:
12 h 00 min
